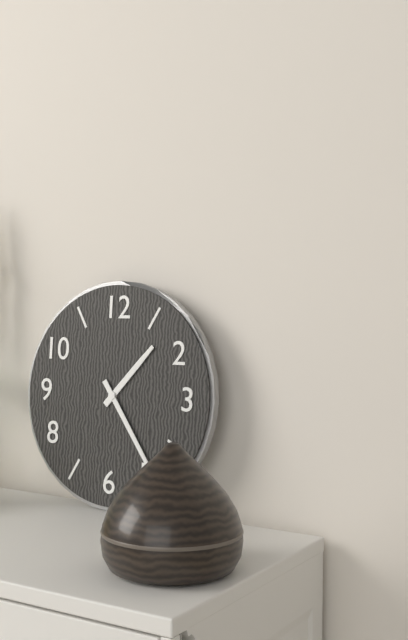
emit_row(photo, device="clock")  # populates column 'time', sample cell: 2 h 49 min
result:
1 h 24 min
